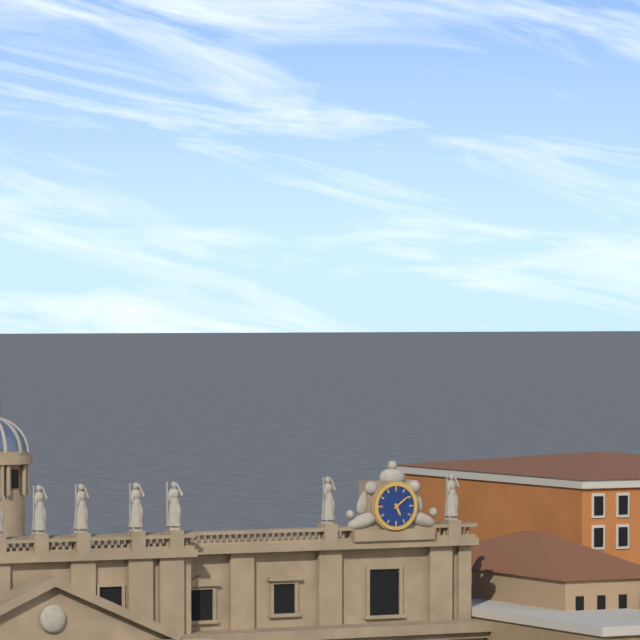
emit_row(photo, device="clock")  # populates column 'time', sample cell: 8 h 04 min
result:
5 h 09 min
